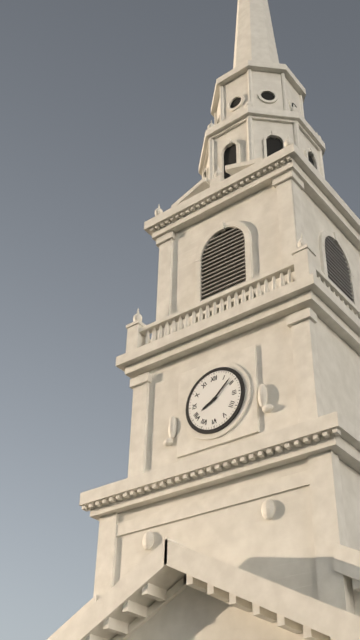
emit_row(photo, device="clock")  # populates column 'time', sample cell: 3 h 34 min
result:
8 h 08 min
